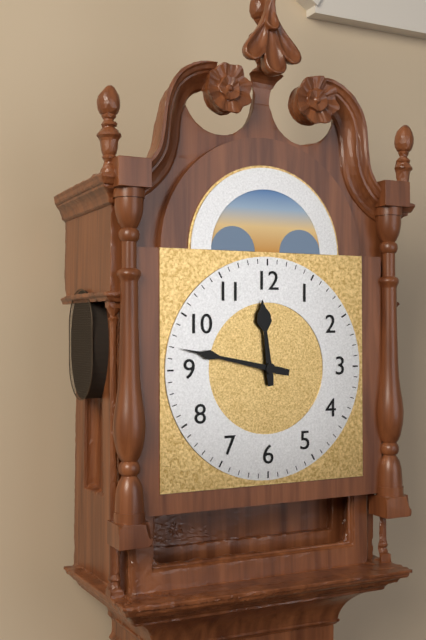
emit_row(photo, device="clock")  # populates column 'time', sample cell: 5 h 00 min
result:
11 h 47 min
